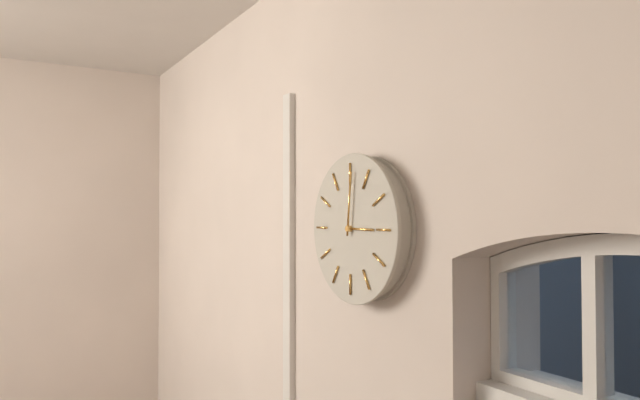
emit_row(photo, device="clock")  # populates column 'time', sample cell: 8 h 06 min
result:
3 h 01 min
